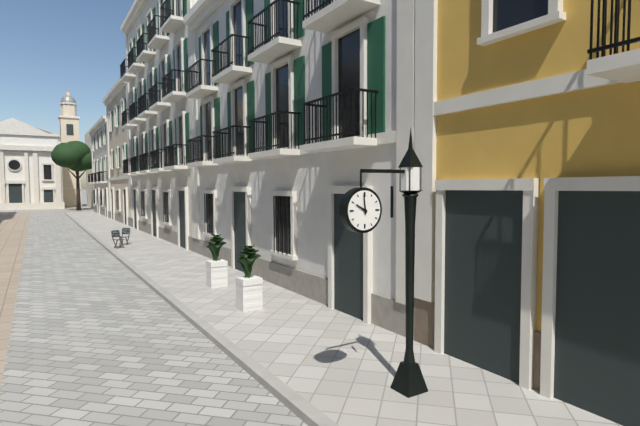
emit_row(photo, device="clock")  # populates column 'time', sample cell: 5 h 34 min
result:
9 h 59 min
